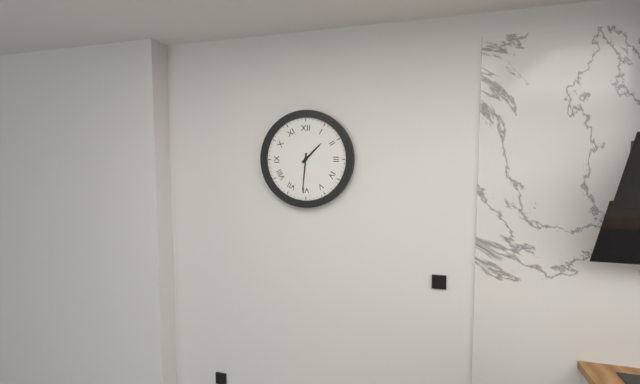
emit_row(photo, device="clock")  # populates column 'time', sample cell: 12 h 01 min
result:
1 h 31 min
